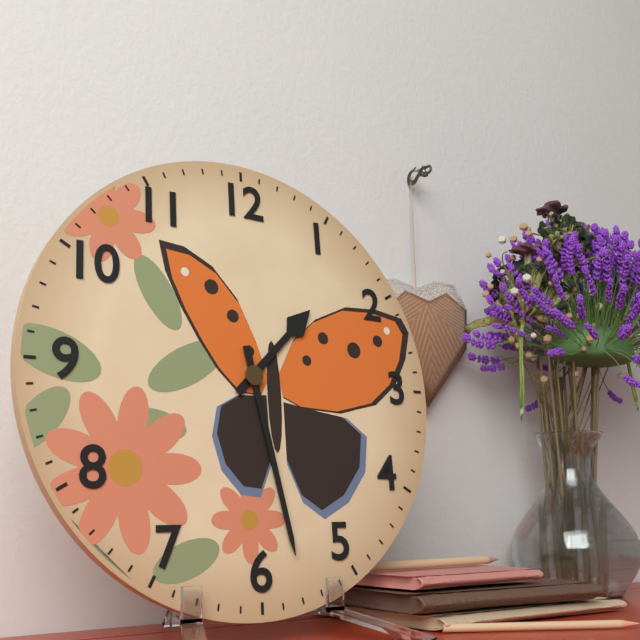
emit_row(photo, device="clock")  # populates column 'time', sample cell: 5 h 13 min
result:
1 h 28 min
